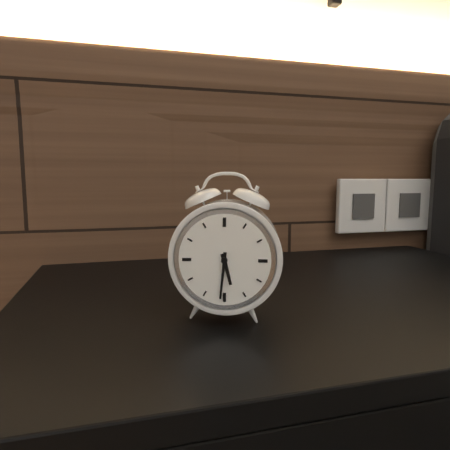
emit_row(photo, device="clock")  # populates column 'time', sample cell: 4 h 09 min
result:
5 h 31 min
